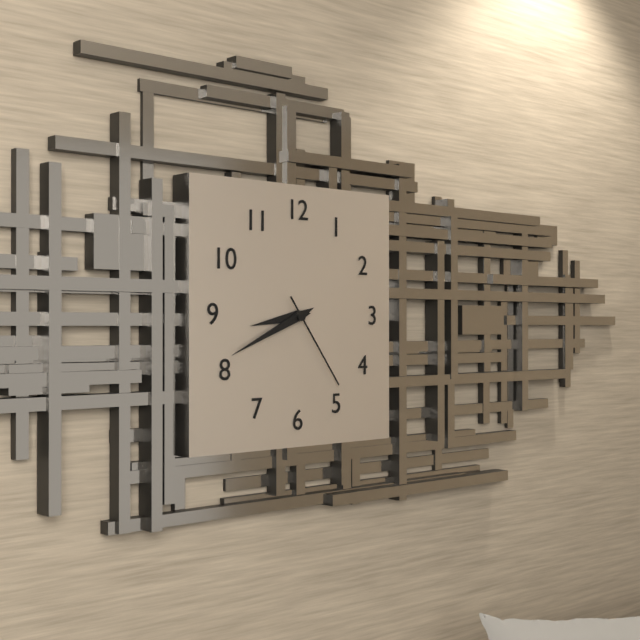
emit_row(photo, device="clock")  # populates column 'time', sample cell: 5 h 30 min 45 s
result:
8 h 41 min 24 s
